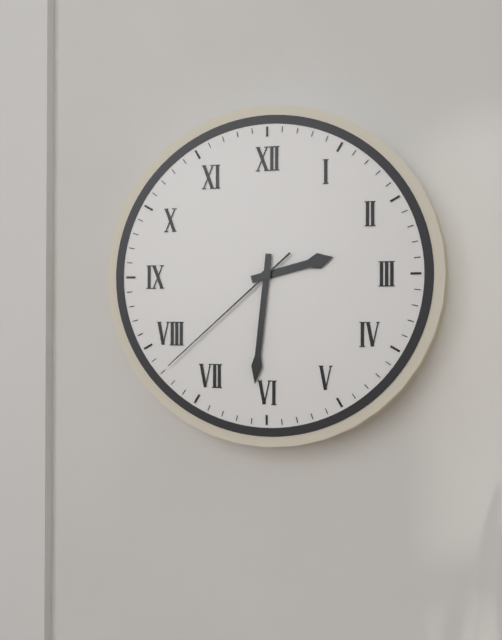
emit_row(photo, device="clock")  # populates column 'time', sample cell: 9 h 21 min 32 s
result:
2 h 31 min 38 s
